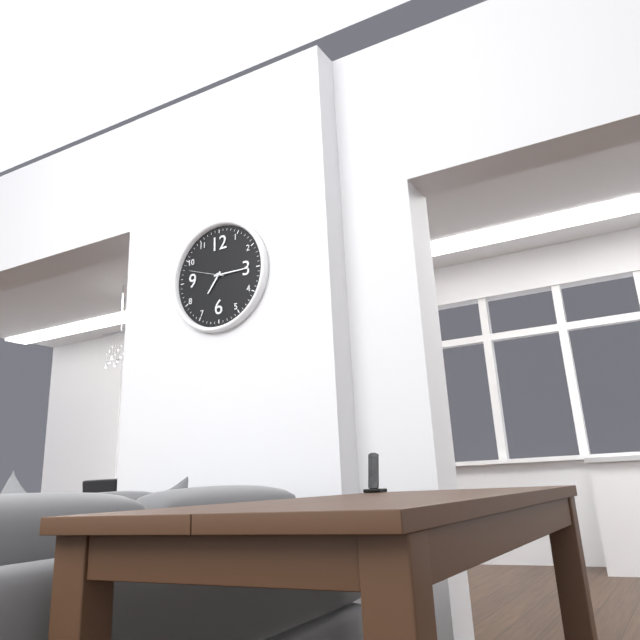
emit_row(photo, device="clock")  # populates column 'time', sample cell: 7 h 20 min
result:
7 h 15 min
